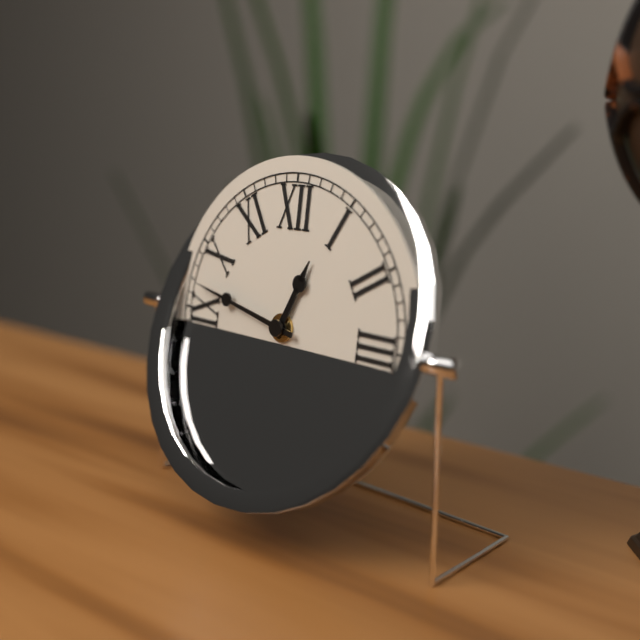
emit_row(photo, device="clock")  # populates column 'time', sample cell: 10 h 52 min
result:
12 h 47 min
